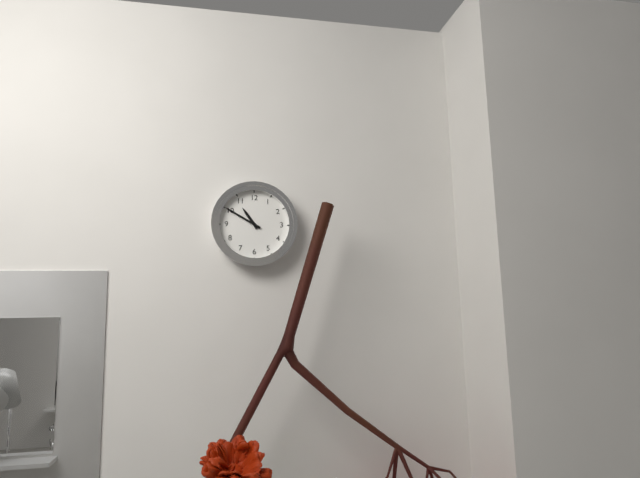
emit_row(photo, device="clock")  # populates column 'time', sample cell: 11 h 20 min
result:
10 h 50 min
